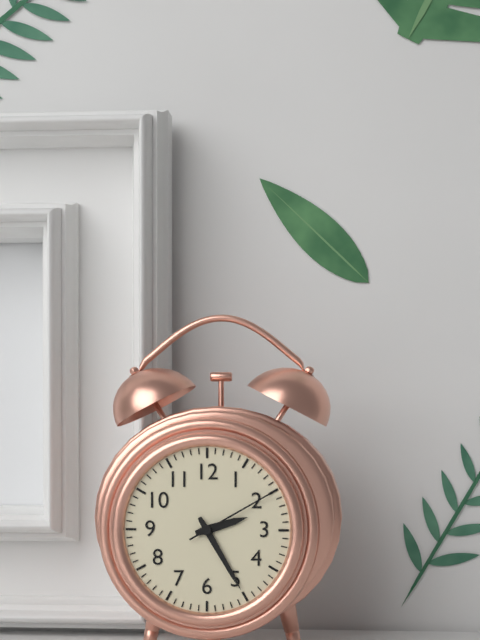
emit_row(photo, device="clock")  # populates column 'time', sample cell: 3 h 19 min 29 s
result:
2 h 25 min 10 s
